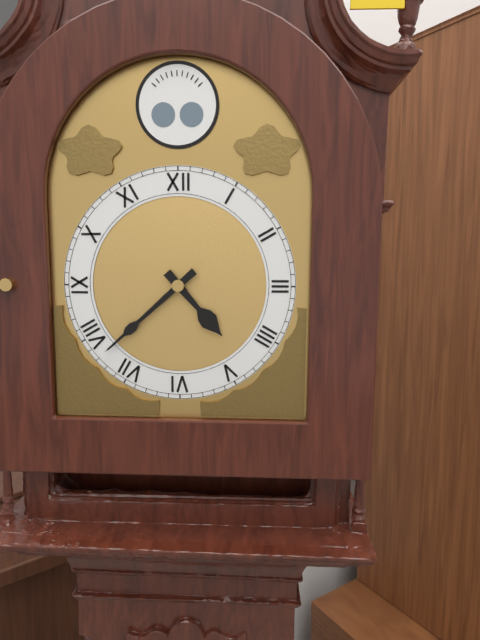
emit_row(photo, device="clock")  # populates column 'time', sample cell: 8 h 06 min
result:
4 h 38 min
